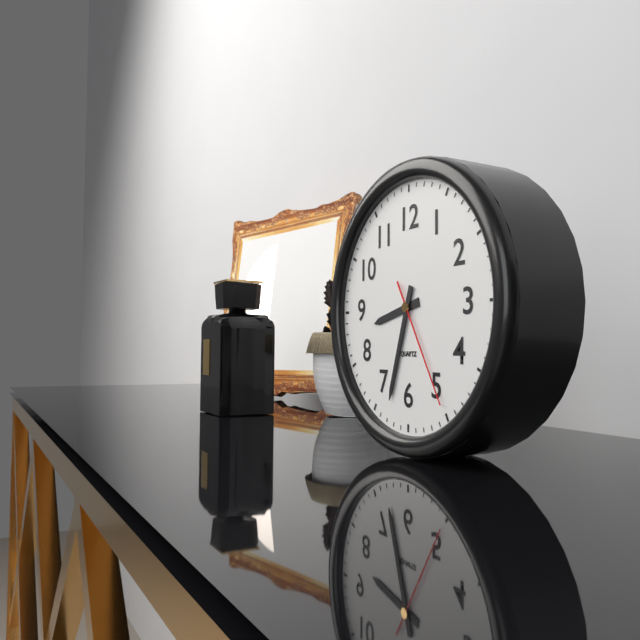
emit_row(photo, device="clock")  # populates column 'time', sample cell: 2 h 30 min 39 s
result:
8 h 33 min 25 s
